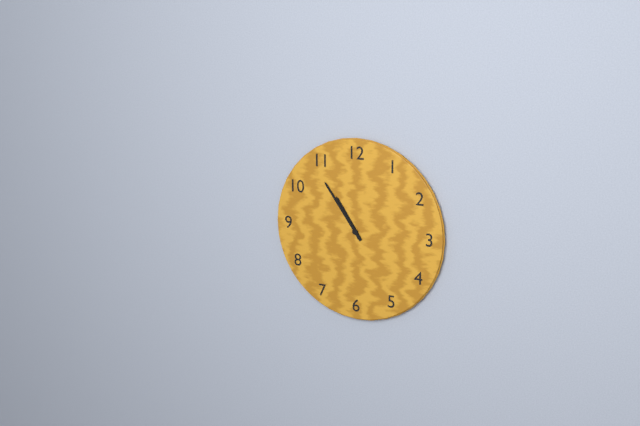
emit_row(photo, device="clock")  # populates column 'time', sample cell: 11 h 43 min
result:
10 h 54 min
